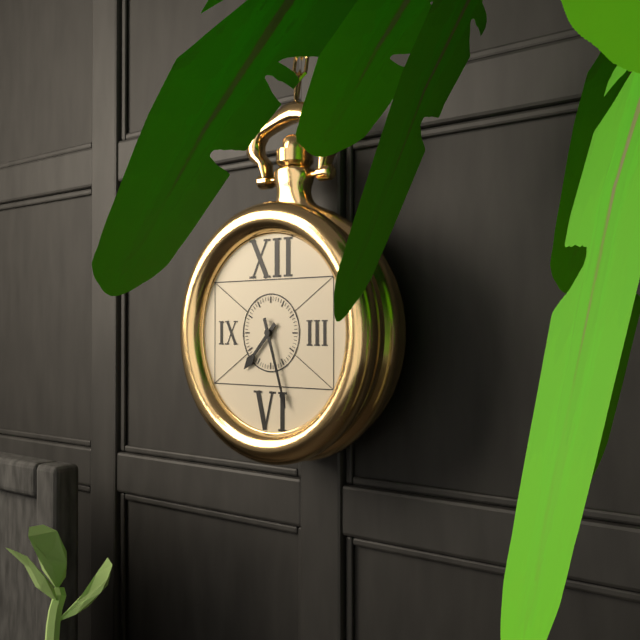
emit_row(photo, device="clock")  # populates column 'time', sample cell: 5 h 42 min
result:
7 h 27 min
